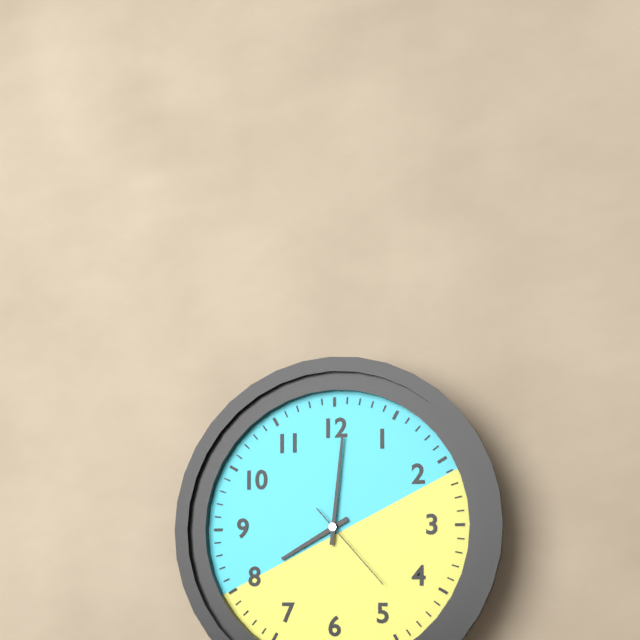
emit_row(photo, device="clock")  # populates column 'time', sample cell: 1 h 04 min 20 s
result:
8 h 01 min 23 s
